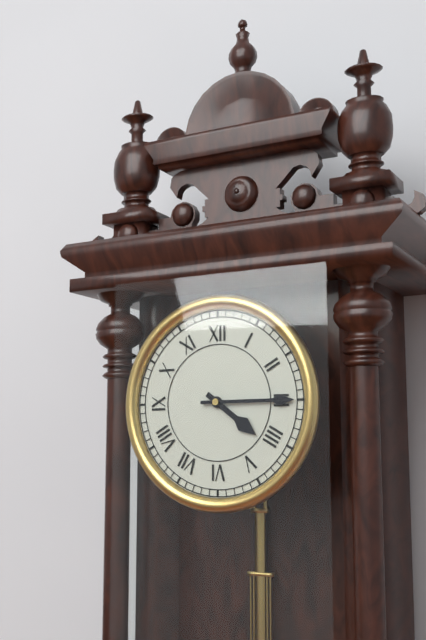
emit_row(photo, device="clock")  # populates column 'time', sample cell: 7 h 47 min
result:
4 h 15 min
